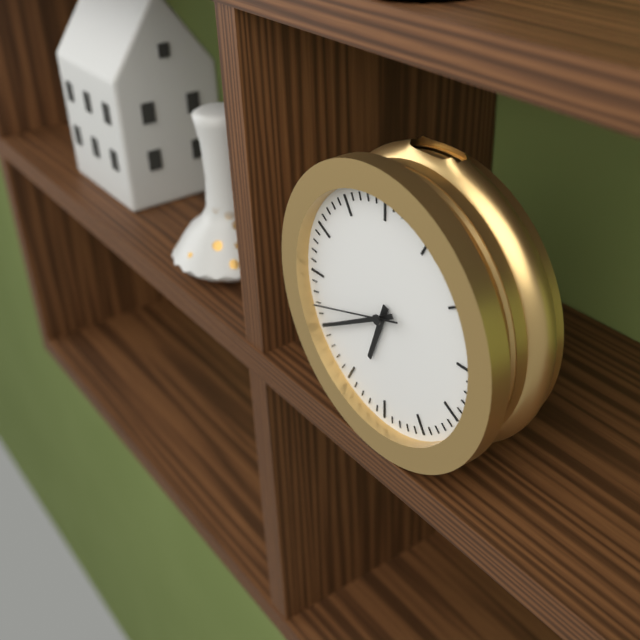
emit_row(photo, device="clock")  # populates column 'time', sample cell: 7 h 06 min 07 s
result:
6 h 40 min 42 s
